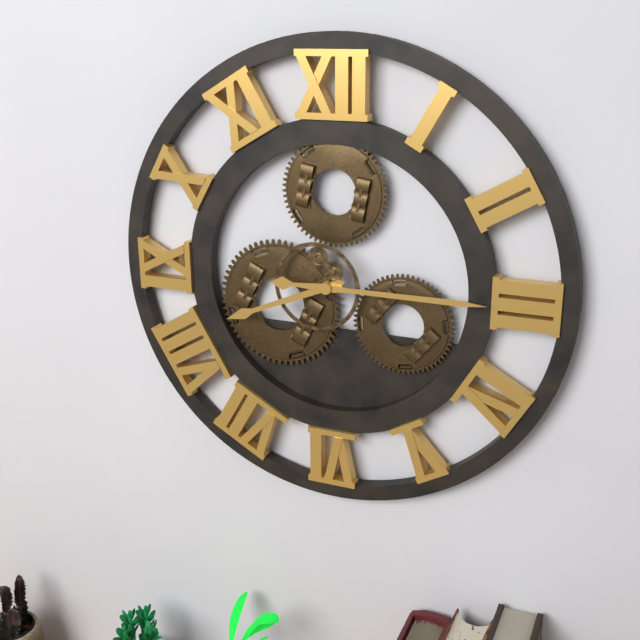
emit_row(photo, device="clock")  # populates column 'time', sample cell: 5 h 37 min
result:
8 h 15 min
